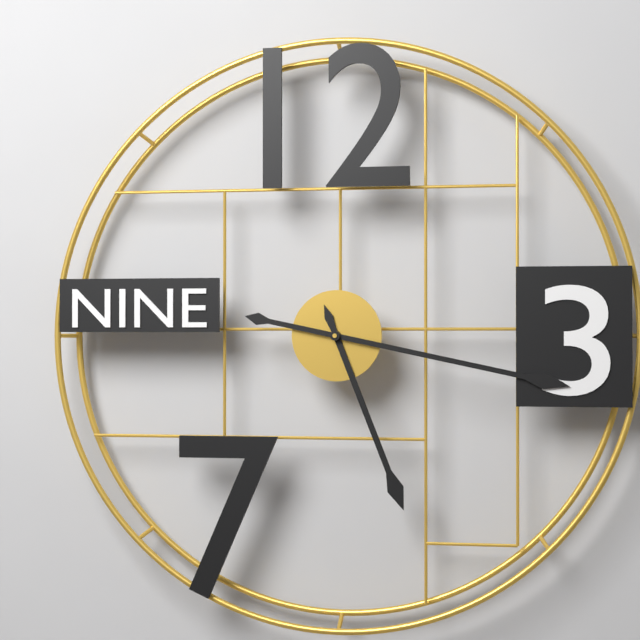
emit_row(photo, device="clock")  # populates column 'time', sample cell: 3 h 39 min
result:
5 h 17 min
